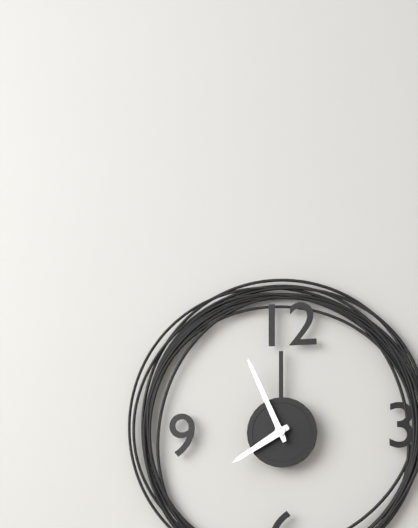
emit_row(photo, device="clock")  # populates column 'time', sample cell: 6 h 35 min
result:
7 h 56 min
